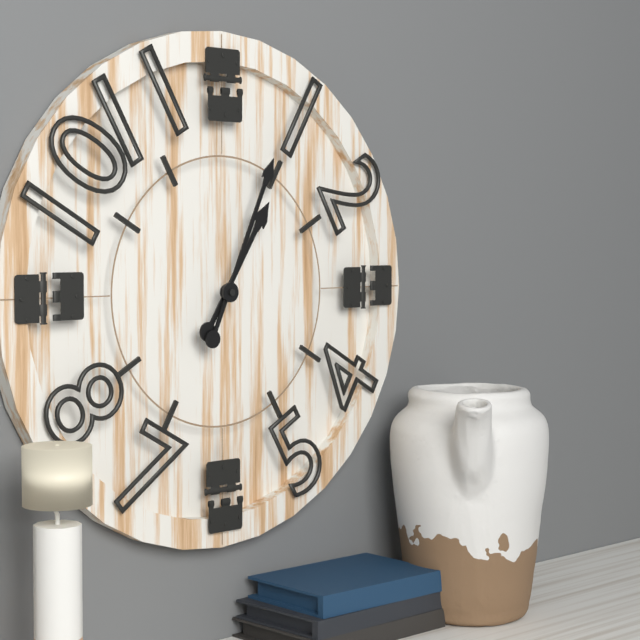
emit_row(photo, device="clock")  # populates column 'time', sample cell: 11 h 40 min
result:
1 h 04 min
